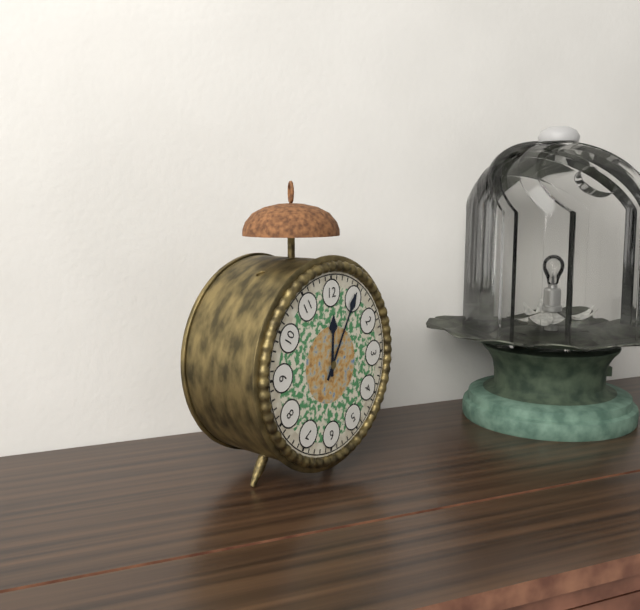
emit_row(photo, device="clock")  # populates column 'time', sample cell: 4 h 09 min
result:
12 h 05 min
